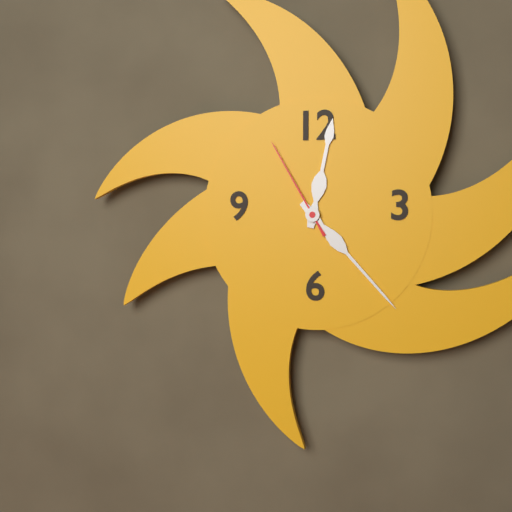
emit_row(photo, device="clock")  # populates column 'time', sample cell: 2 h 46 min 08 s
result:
12 h 23 min 55 s
